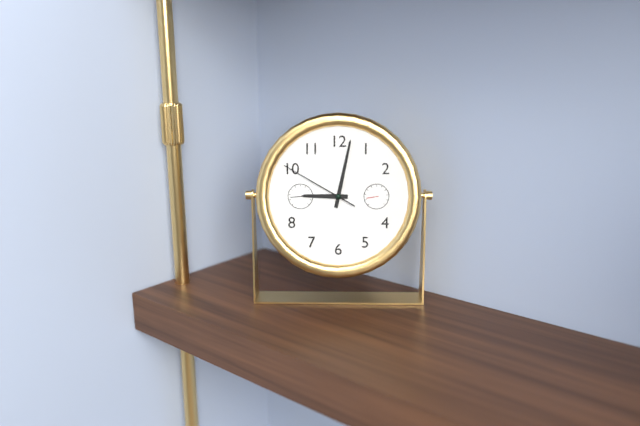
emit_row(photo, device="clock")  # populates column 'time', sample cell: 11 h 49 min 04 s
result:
9 h 02 min 50 s
